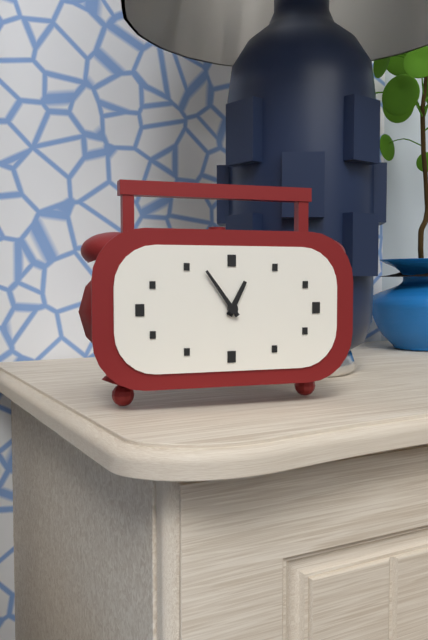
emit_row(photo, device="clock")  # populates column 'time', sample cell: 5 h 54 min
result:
12 h 54 min
